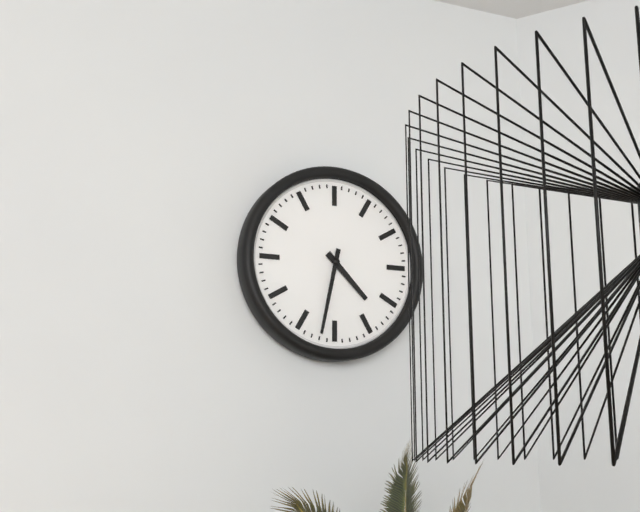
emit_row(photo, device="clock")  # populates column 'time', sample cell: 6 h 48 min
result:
4 h 32 min
